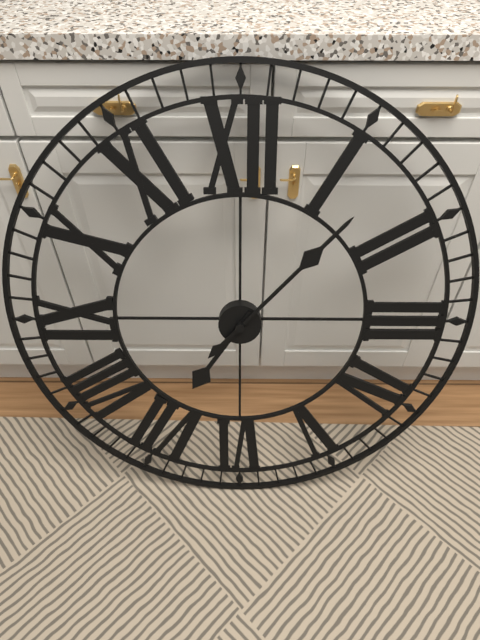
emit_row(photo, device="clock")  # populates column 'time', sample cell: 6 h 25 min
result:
7 h 07 min
